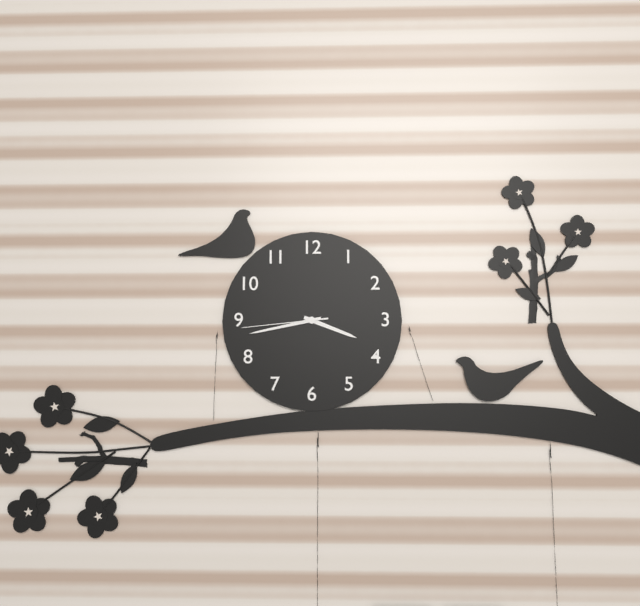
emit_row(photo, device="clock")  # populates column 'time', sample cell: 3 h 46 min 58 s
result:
3 h 43 min 44 s
